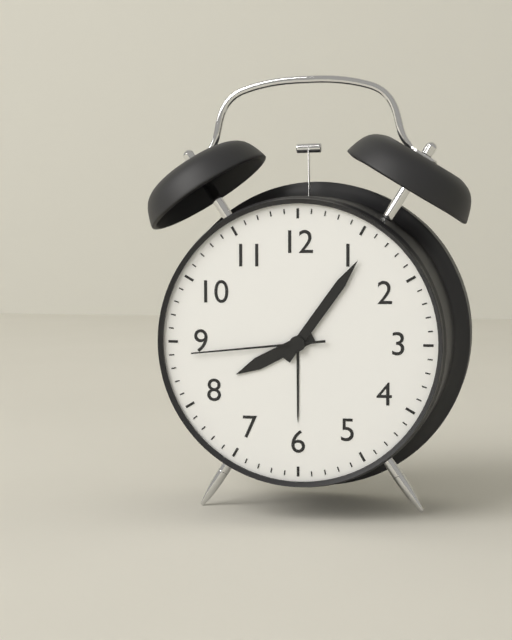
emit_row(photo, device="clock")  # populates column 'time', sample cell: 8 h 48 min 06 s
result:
8 h 06 min 44 s
